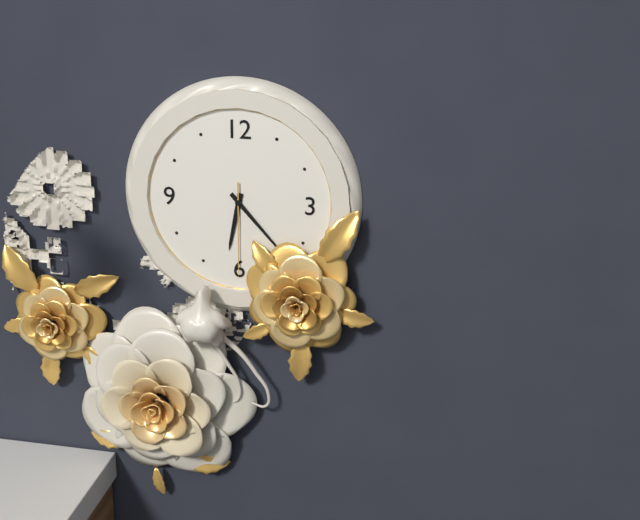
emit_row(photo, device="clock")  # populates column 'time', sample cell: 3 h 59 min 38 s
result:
6 h 23 min 30 s
